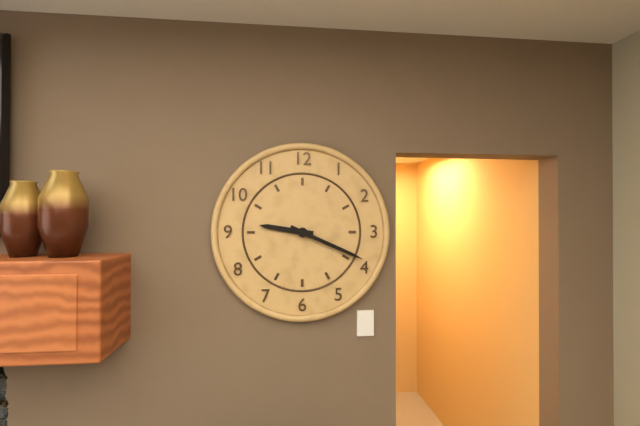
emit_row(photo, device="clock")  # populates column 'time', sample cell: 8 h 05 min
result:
9 h 19 min
